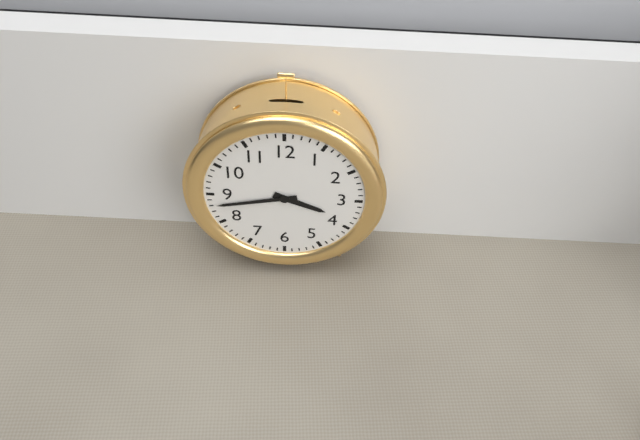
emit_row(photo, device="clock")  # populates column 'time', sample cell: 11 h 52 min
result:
3 h 43 min
